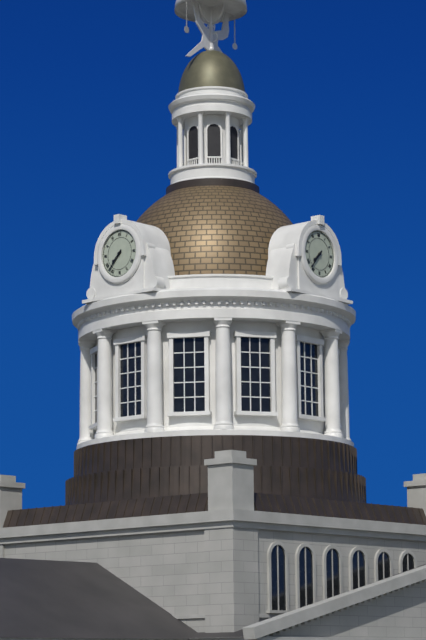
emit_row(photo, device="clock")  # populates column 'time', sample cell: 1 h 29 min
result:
7 h 37 min
